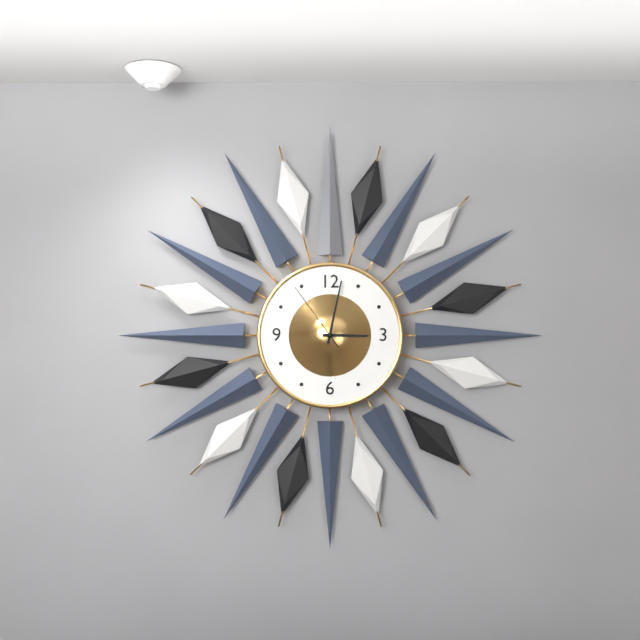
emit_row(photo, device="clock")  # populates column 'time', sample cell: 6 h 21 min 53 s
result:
3 h 02 min 54 s
